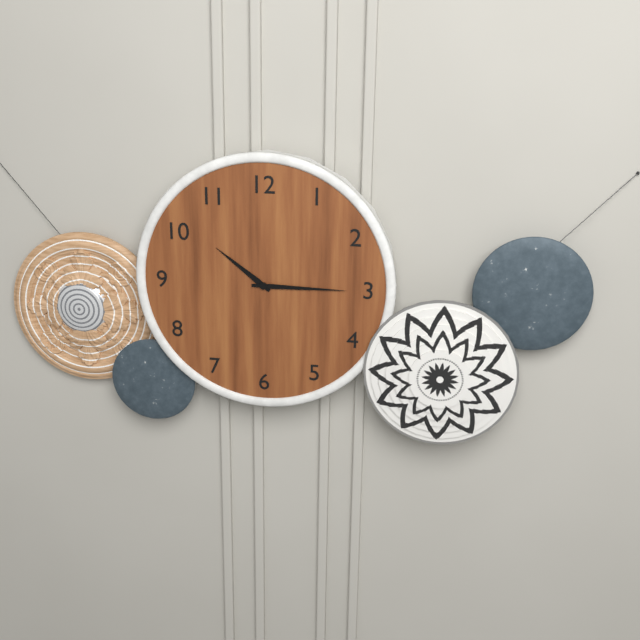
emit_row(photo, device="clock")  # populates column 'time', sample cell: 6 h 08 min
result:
10 h 15 min
